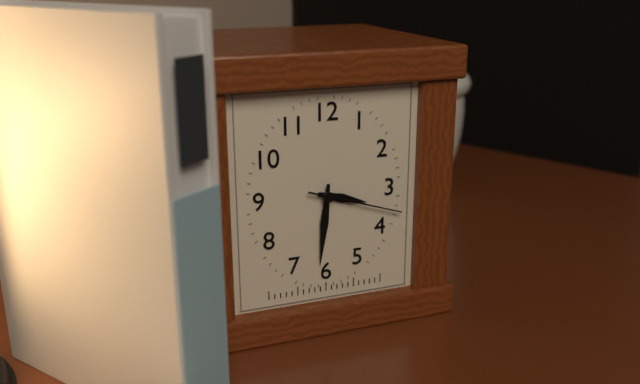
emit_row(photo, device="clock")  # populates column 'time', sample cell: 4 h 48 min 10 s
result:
3 h 31 min 18 s
